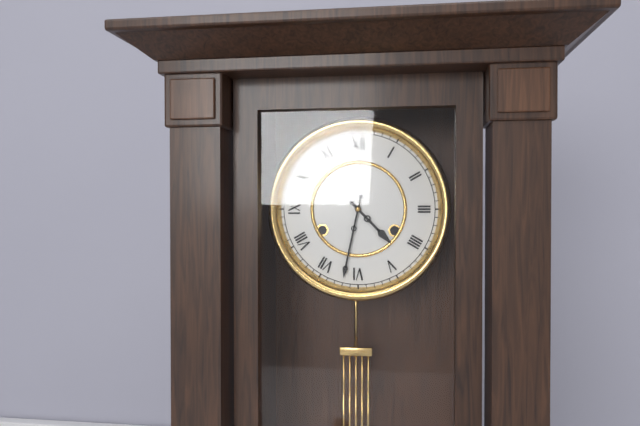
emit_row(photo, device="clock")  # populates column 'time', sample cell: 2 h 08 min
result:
4 h 32 min
